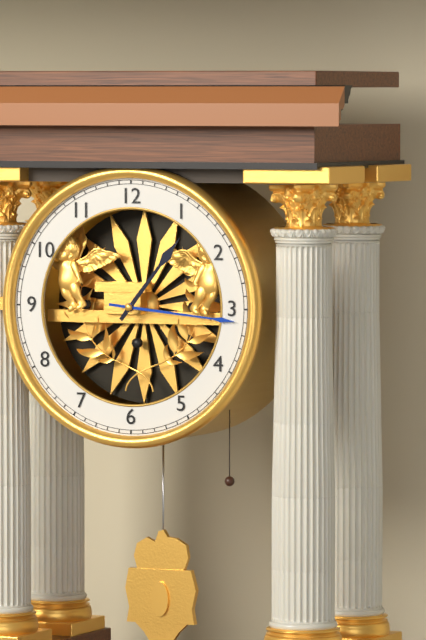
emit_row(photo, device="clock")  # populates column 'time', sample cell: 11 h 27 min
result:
1 h 16 min
